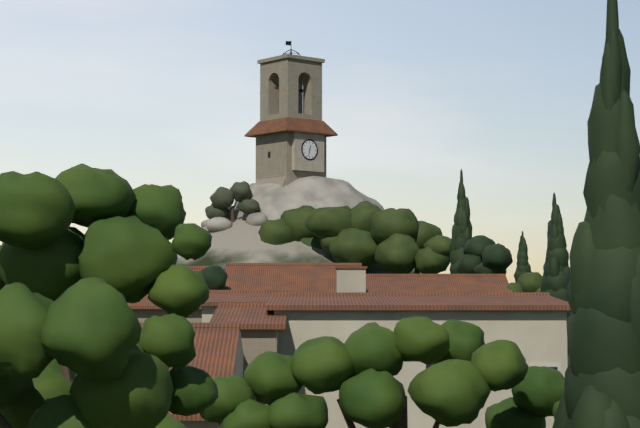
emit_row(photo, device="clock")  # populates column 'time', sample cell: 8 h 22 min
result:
12 h 32 min
